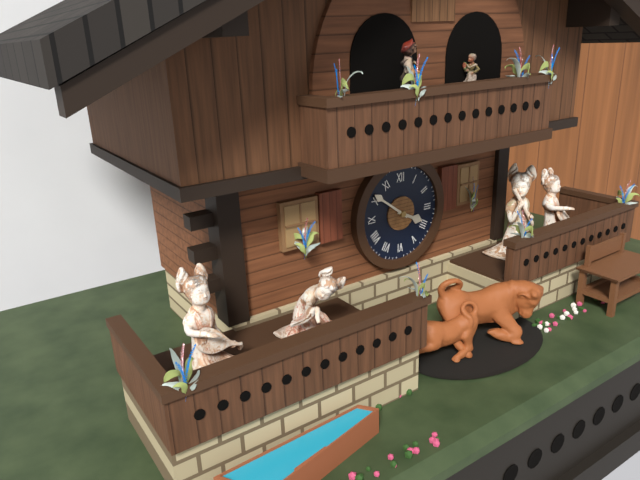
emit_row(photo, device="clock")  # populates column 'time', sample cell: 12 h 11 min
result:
3 h 51 min
